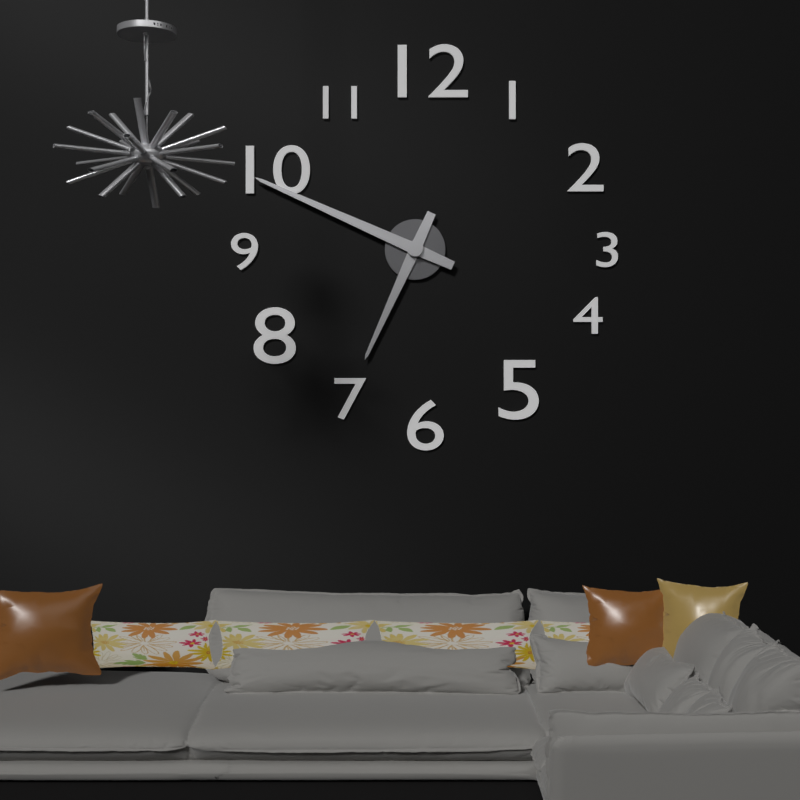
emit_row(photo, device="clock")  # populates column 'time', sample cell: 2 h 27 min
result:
6 h 49 min
